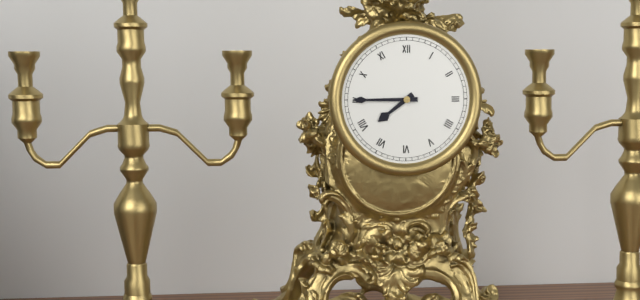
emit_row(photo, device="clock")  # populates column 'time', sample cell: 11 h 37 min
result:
7 h 45 min
